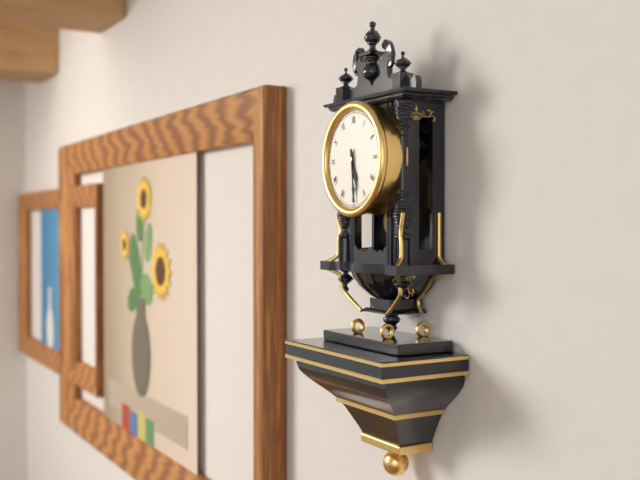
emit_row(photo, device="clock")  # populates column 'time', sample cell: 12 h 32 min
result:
5 h 29 min
